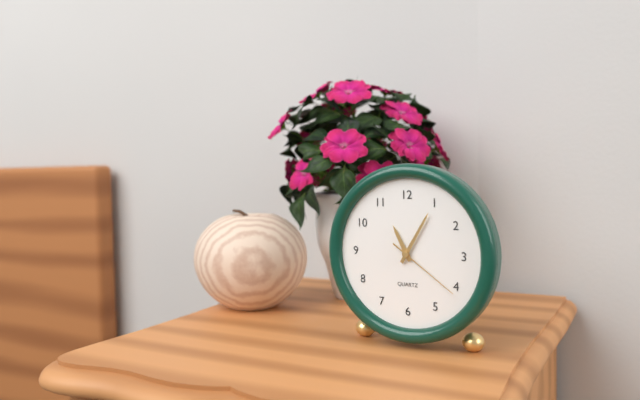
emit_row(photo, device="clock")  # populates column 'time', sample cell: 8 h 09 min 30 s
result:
11 h 05 min 21 s
